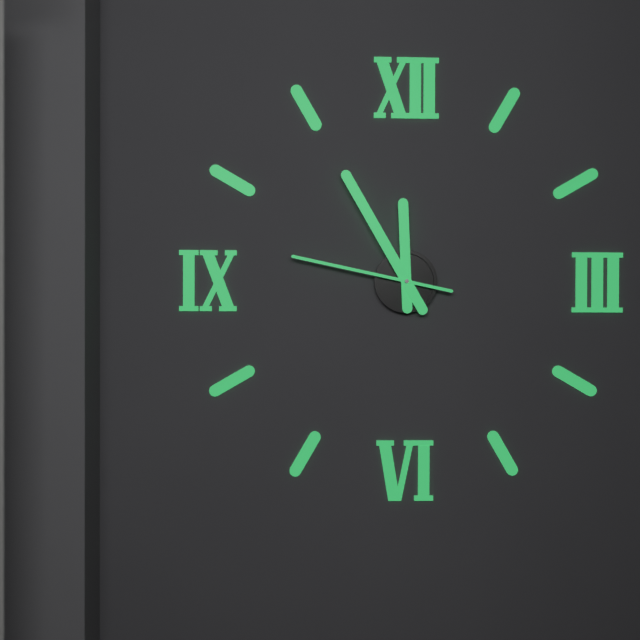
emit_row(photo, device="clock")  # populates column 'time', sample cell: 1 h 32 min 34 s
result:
11 h 55 min 47 s
